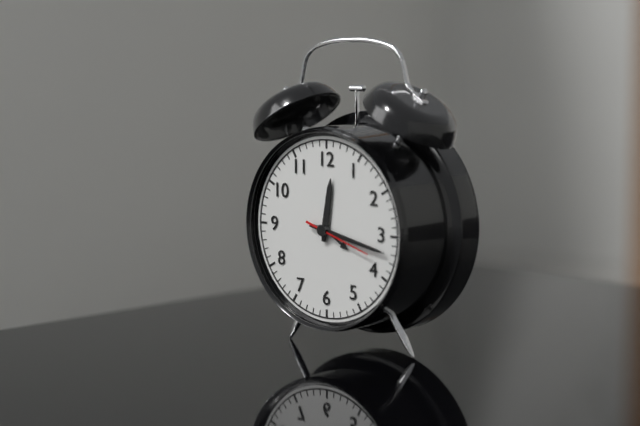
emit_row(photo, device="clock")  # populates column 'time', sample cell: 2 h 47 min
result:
12 h 17 min
